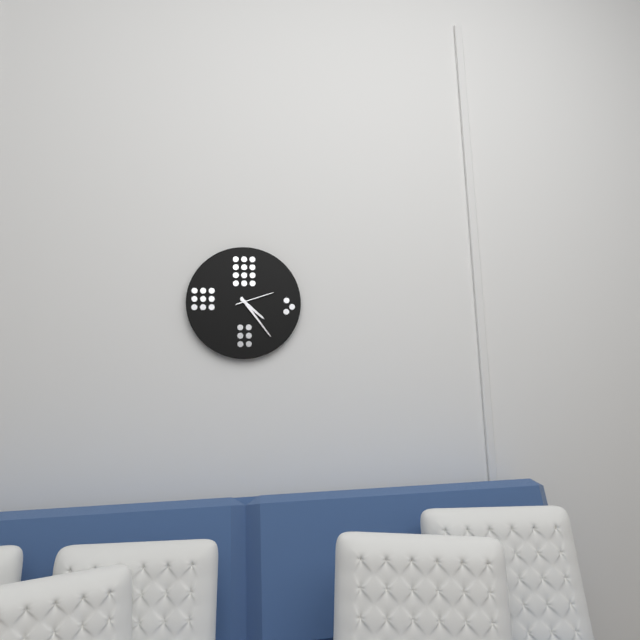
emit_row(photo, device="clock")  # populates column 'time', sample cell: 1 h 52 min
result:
4 h 24 min
